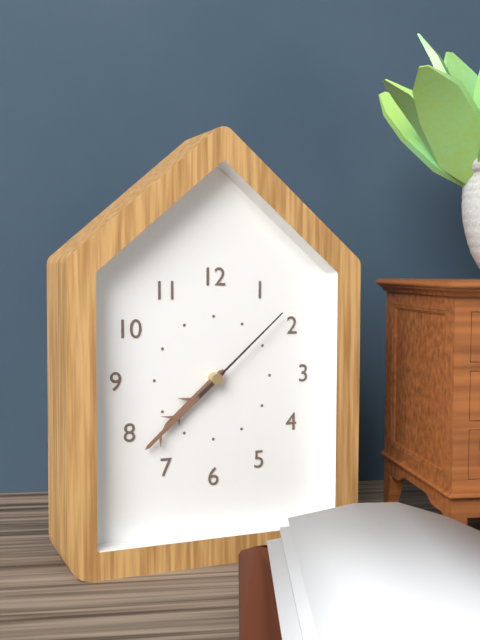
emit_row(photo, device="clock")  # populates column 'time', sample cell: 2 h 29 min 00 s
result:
7 h 38 min 08 s
